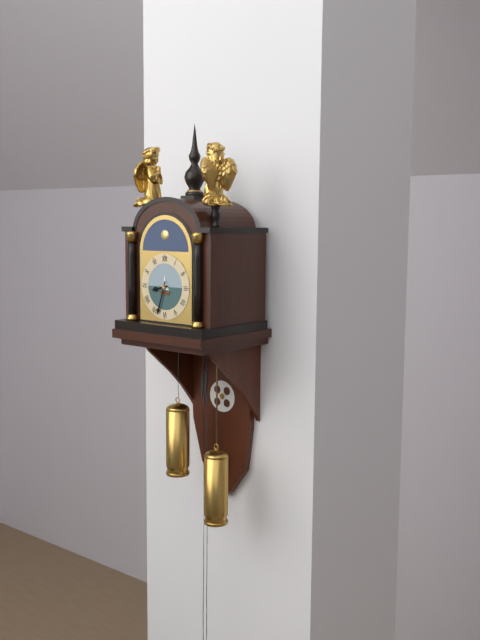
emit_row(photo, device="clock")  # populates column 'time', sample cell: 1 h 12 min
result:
8 h 33 min
